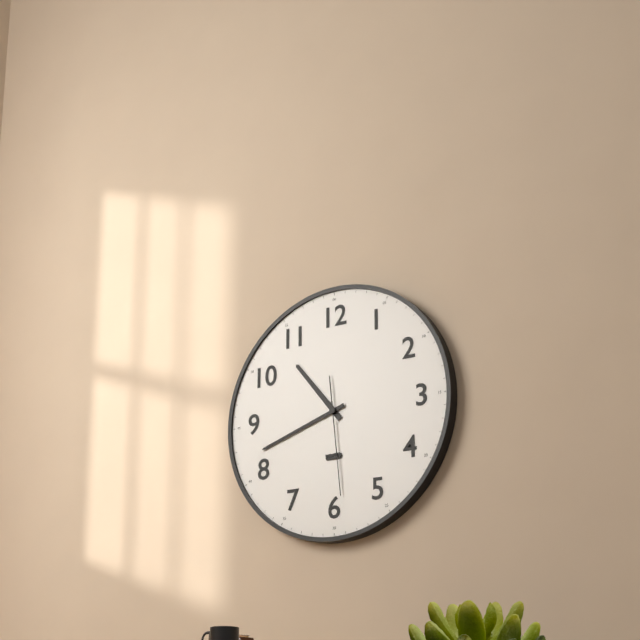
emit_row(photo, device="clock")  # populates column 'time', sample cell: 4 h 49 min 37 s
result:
10 h 42 min 29 s
